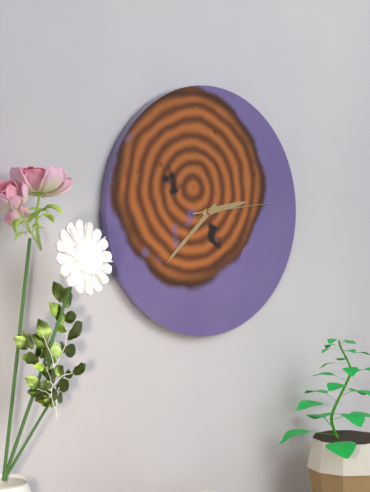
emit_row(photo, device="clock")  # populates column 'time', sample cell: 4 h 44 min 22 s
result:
2 h 38 min 14 s
